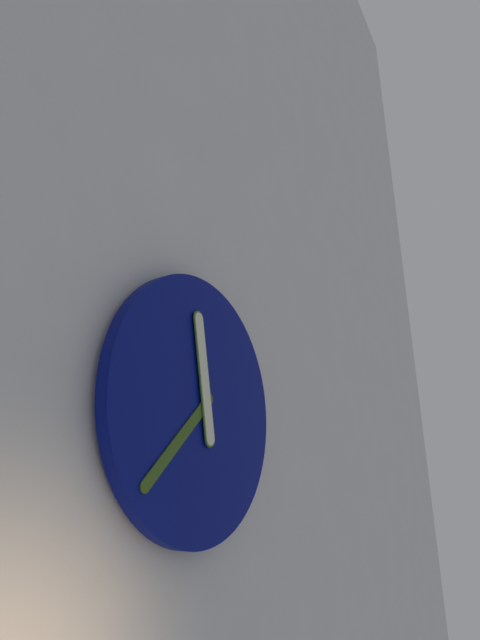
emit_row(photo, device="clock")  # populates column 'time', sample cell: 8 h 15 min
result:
11 h 38 min
